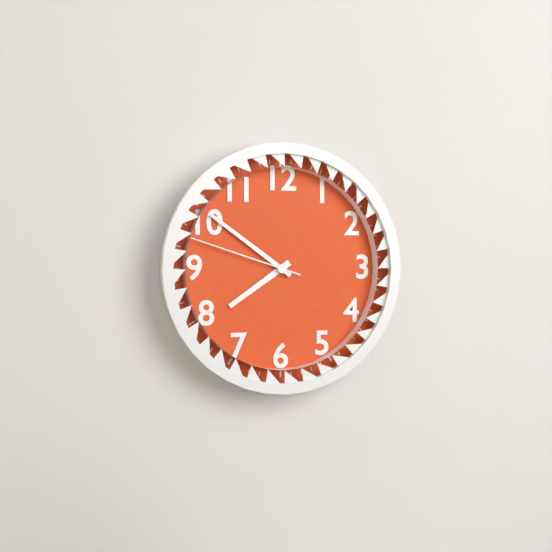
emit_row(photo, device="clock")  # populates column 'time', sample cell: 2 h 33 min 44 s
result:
7 h 51 min 48 s
